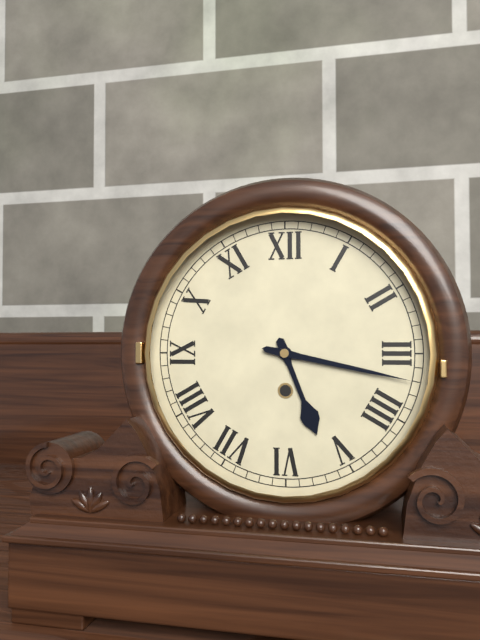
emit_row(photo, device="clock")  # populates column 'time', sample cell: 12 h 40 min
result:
5 h 17 min
